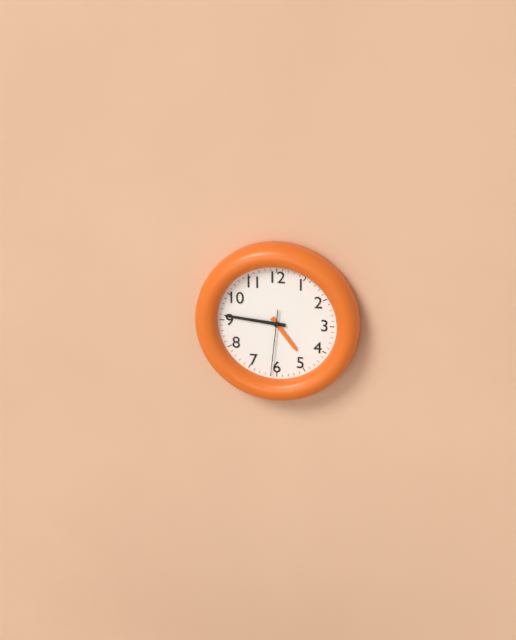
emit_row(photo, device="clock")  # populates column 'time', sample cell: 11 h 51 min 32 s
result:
4 h 46 min 31 s
